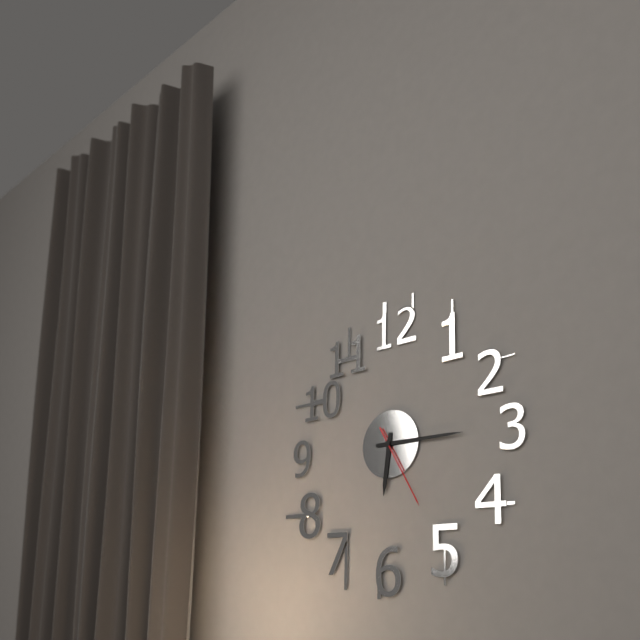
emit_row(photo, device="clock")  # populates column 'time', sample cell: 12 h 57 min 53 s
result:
6 h 15 min 25 s
